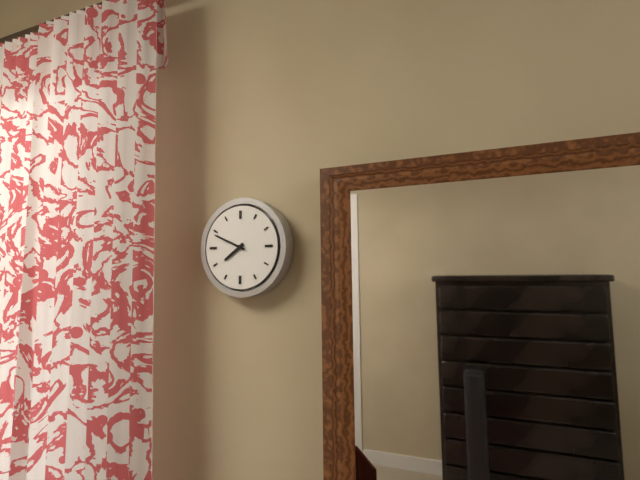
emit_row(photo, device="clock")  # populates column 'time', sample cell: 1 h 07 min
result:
7 h 49 min
